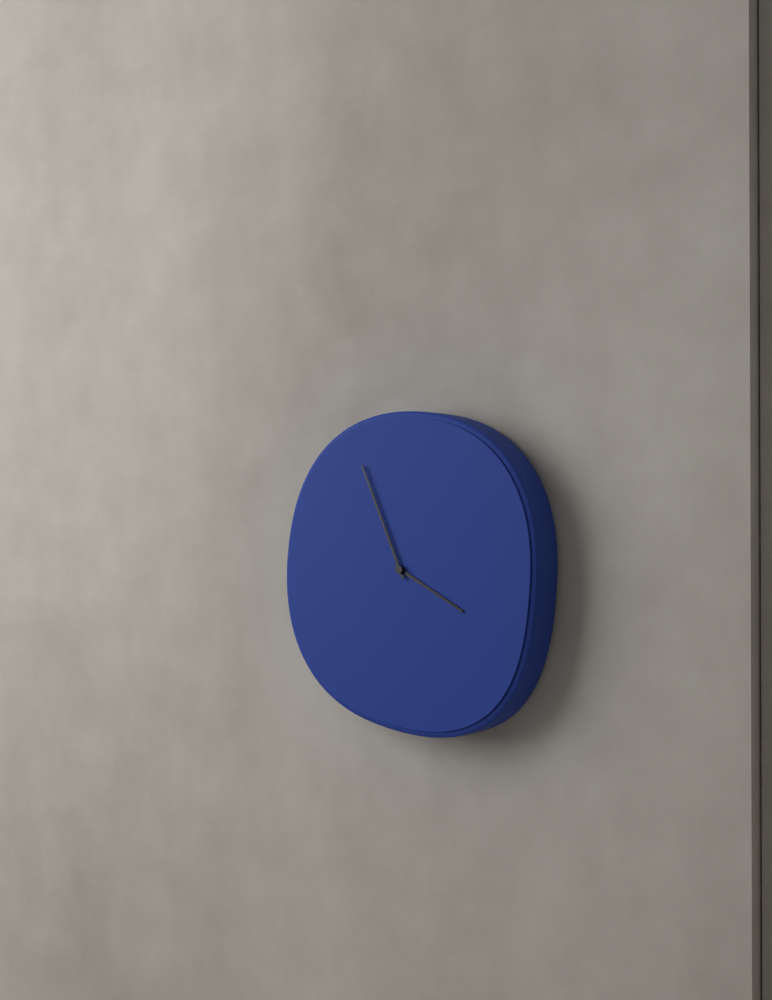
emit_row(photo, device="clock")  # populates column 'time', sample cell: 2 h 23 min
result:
3 h 56 min
